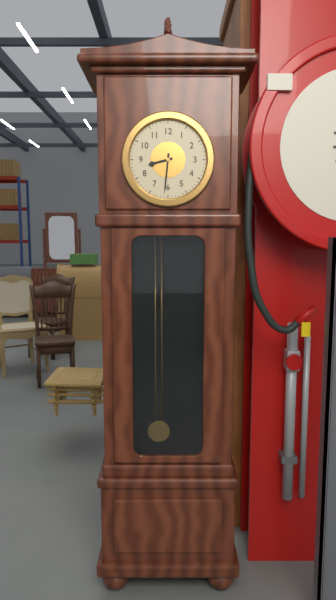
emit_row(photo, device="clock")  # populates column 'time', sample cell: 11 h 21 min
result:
8 h 31 min
